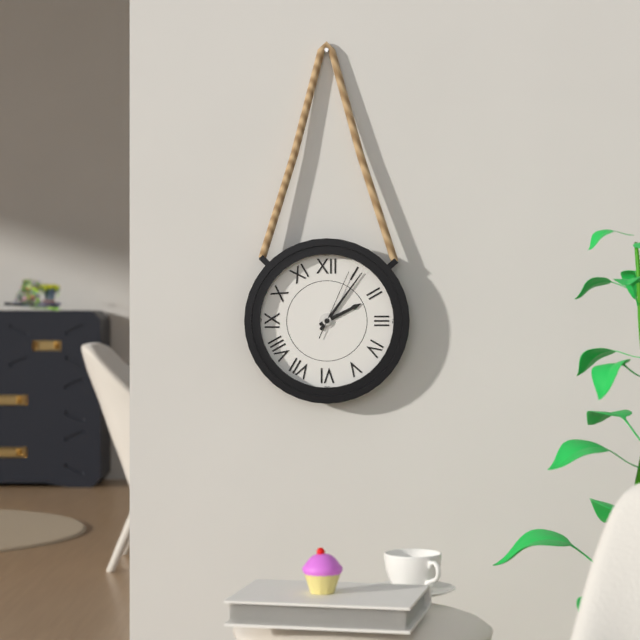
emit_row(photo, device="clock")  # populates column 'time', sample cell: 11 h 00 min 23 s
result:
2 h 06 min 04 s
